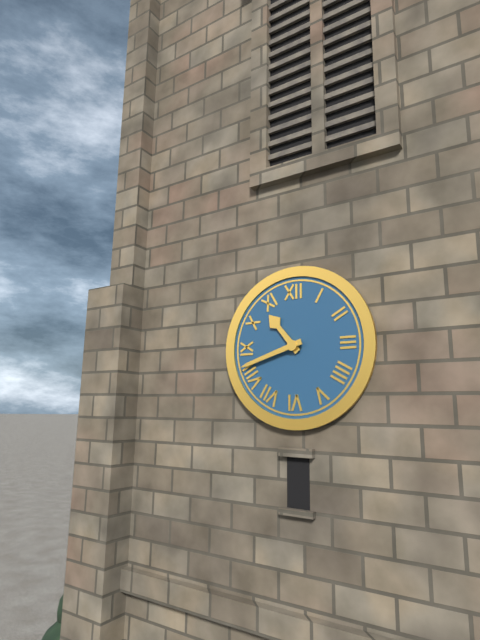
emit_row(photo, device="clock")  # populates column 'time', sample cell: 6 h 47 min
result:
10 h 42 min
